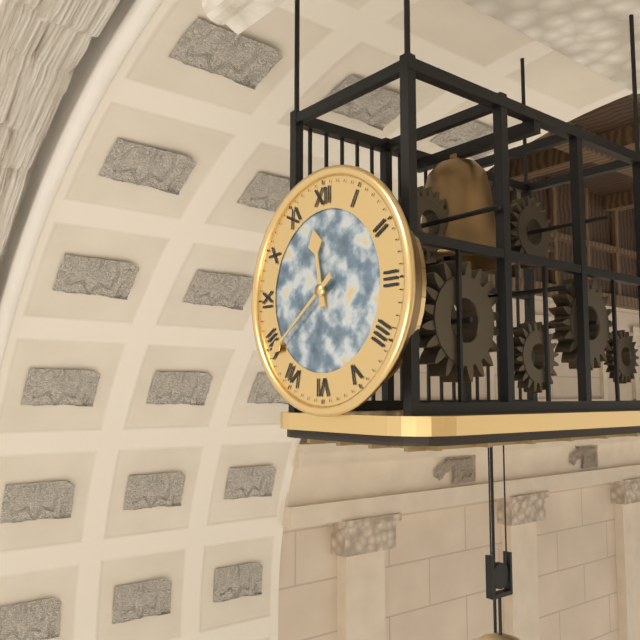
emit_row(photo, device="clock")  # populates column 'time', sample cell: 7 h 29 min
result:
11 h 39 min
